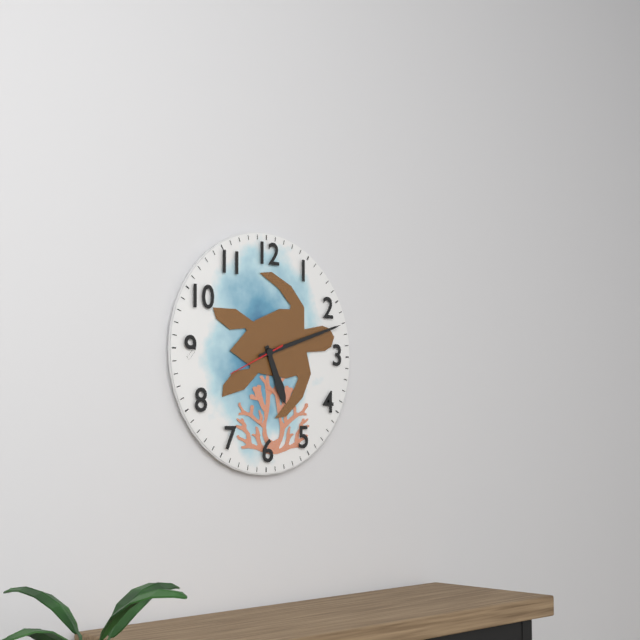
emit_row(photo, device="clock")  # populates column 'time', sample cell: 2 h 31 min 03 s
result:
5 h 12 min 41 s
